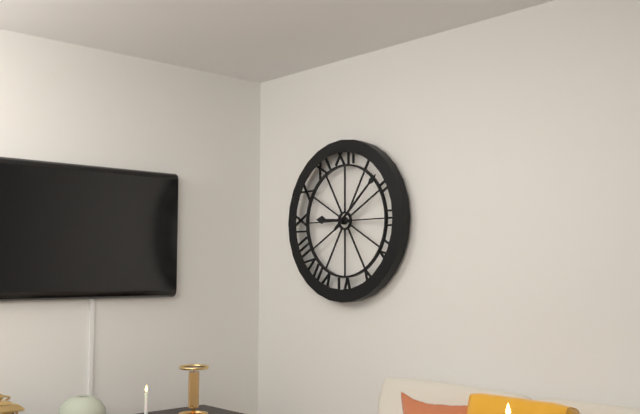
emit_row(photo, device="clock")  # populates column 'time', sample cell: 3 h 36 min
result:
9 h 08 min
